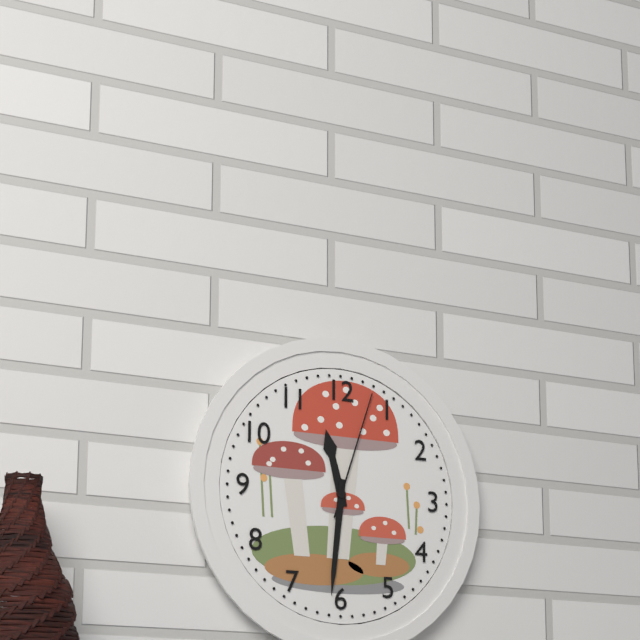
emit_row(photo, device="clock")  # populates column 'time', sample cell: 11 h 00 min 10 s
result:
11 h 31 min 03 s
